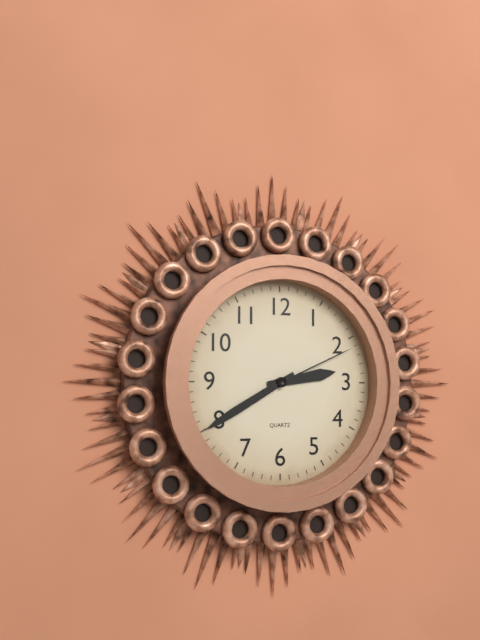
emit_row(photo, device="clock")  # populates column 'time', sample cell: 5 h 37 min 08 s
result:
2 h 40 min 11 s
